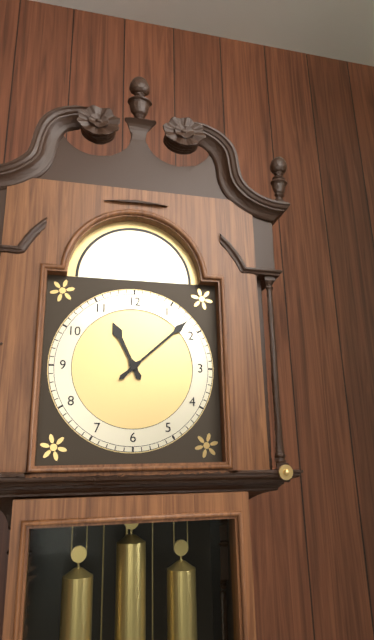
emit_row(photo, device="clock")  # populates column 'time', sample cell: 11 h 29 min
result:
11 h 08 min
